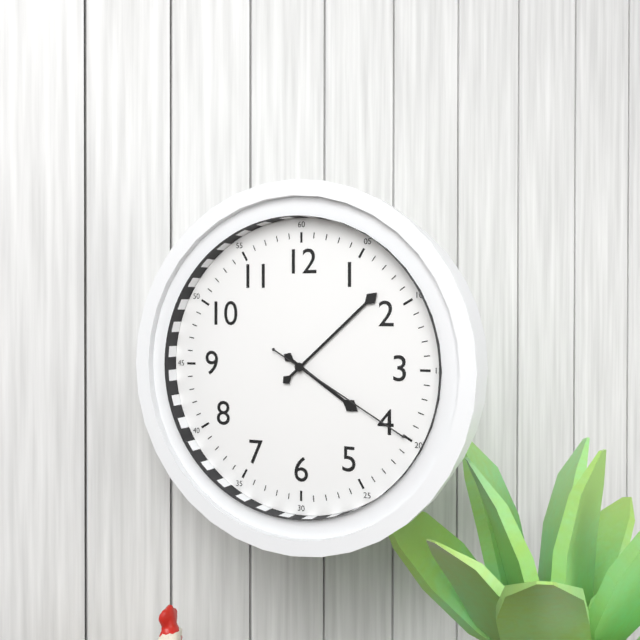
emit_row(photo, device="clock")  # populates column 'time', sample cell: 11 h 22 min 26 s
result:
4 h 08 min 20 s
